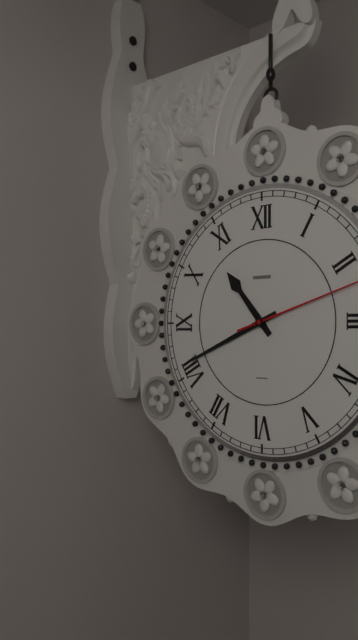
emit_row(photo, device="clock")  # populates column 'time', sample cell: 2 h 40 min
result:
10 h 41 min
